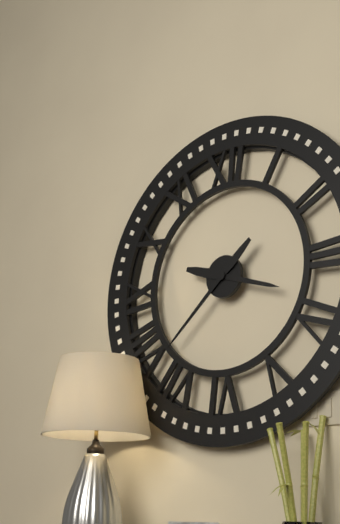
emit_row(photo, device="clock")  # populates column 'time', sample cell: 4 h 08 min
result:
3 h 38 min
